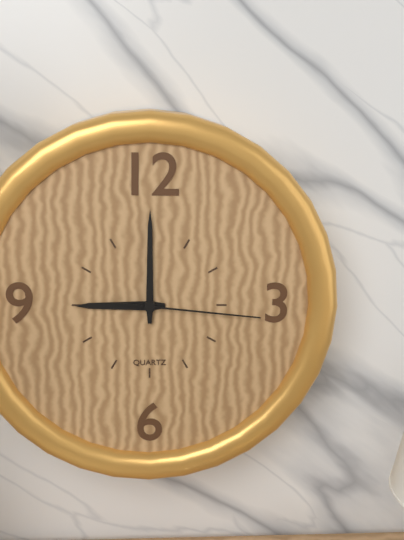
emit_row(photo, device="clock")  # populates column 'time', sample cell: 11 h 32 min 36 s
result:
9 h 00 min 16 s
